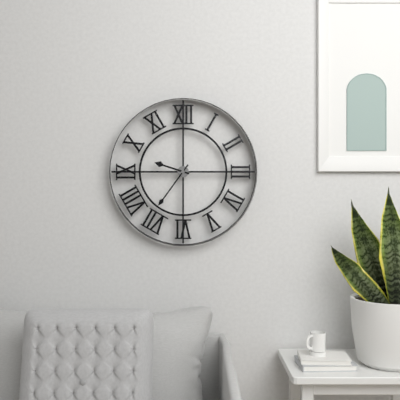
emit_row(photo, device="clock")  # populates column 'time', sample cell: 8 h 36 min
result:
9 h 36 min
